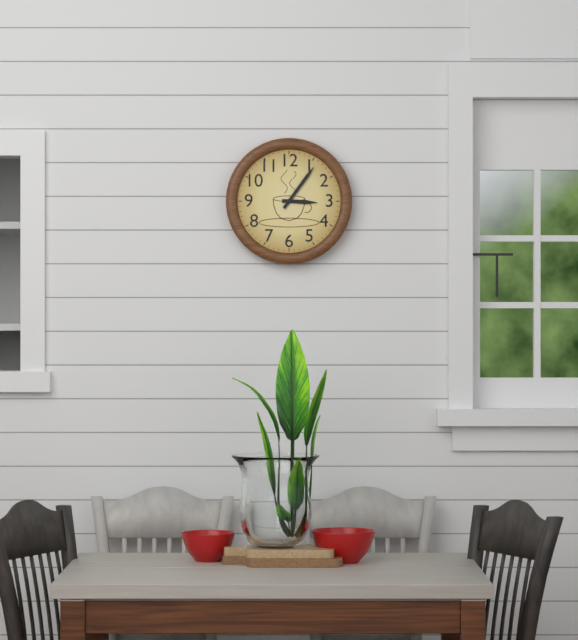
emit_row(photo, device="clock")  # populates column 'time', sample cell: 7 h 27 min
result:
3 h 06 min
